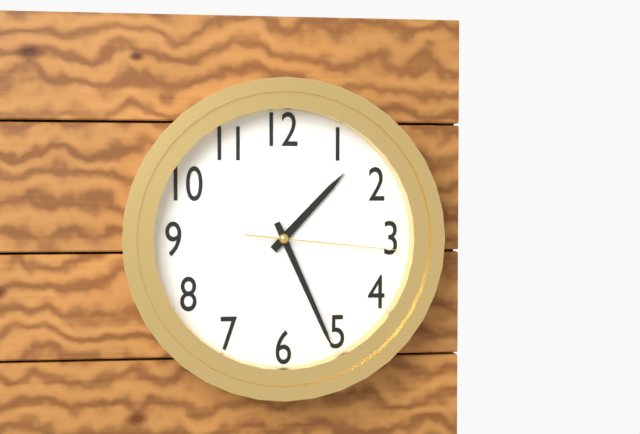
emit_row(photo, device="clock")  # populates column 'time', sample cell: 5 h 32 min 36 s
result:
1 h 26 min 16 s
